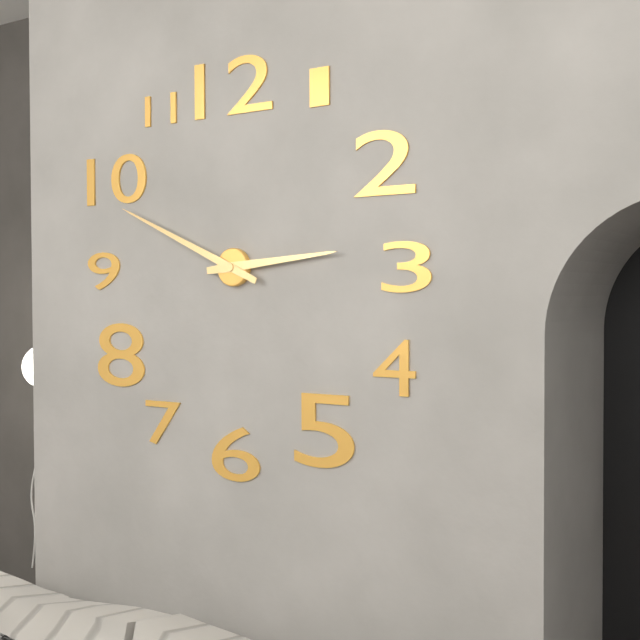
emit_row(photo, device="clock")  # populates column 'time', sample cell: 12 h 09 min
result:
2 h 49 min
